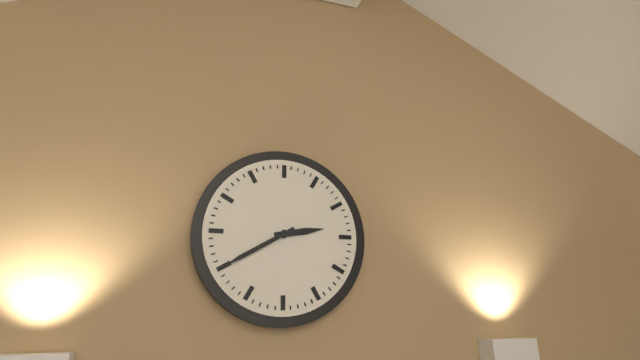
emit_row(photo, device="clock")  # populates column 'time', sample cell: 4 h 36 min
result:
2 h 40 min
